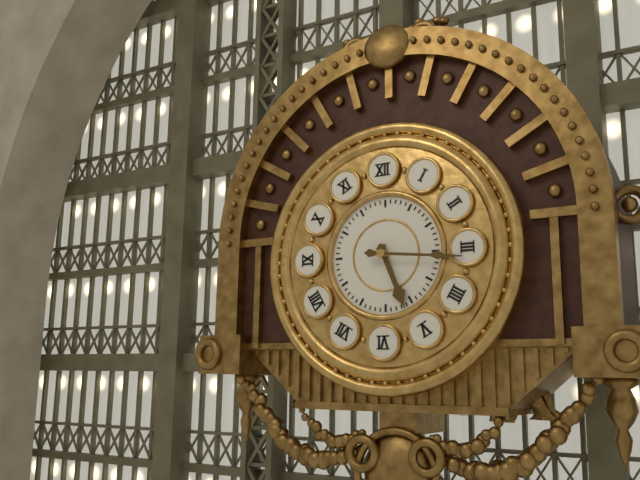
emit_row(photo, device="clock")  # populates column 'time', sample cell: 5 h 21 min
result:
5 h 16 min
